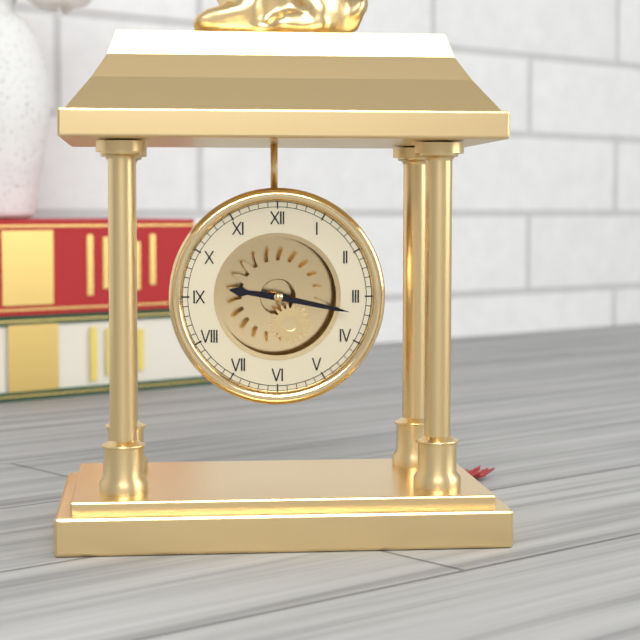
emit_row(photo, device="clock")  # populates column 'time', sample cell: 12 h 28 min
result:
9 h 17 min
